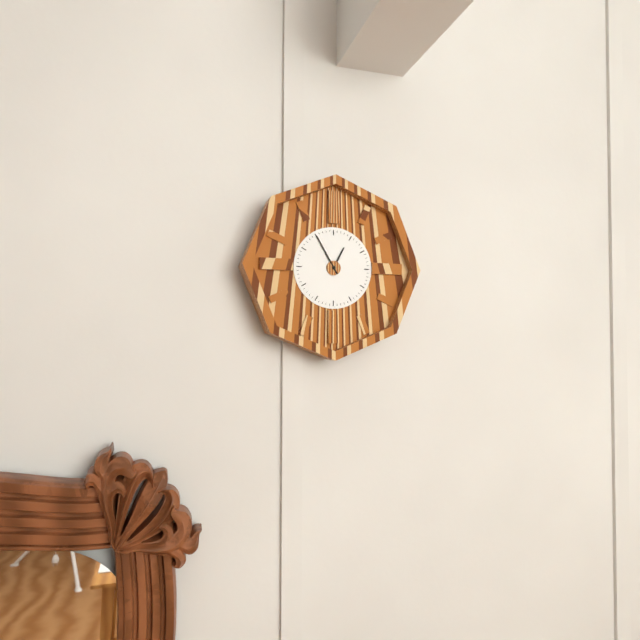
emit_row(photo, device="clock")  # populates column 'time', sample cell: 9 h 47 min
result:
12 h 55 min
